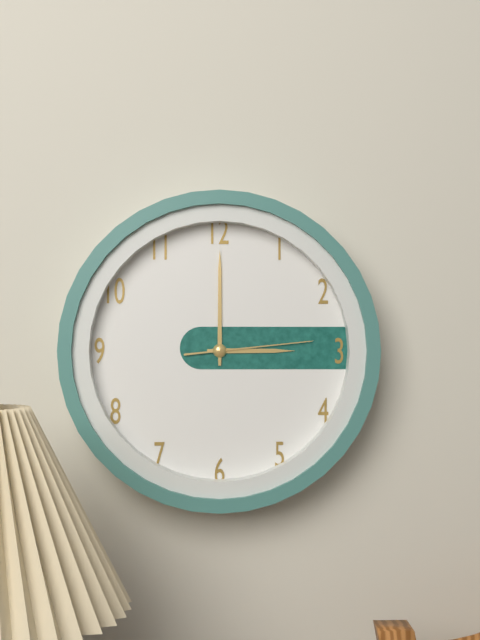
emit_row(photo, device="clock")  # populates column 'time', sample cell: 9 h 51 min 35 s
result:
3 h 00 min 14 s
